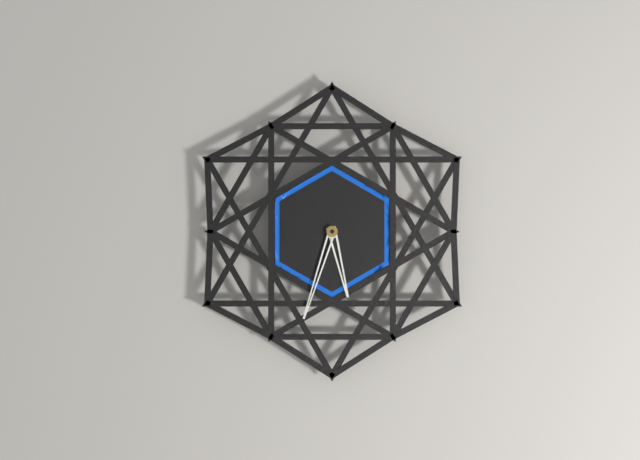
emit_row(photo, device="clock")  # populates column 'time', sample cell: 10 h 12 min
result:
5 h 33 min
